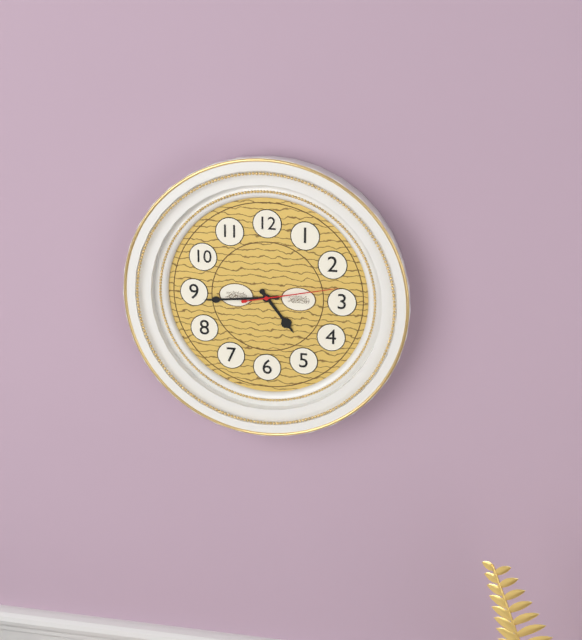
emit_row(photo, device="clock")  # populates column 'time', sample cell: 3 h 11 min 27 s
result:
4 h 44 min 13 s
